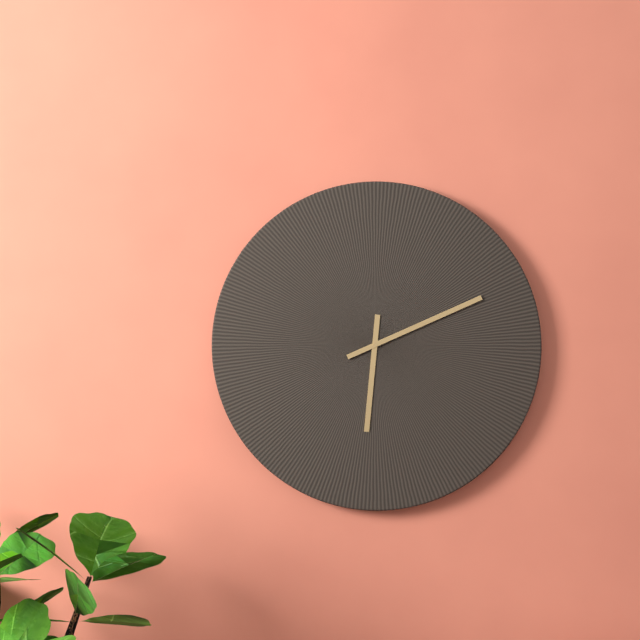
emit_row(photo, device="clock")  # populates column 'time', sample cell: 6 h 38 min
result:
6 h 11 min
